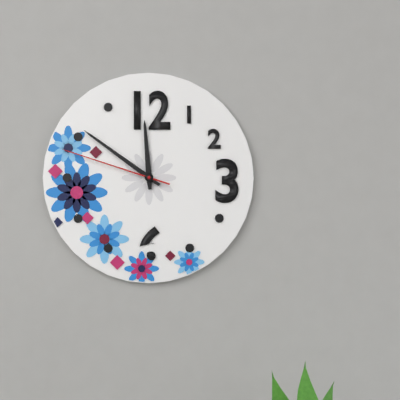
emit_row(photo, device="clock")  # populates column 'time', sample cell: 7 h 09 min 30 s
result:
11 h 51 min 48 s
